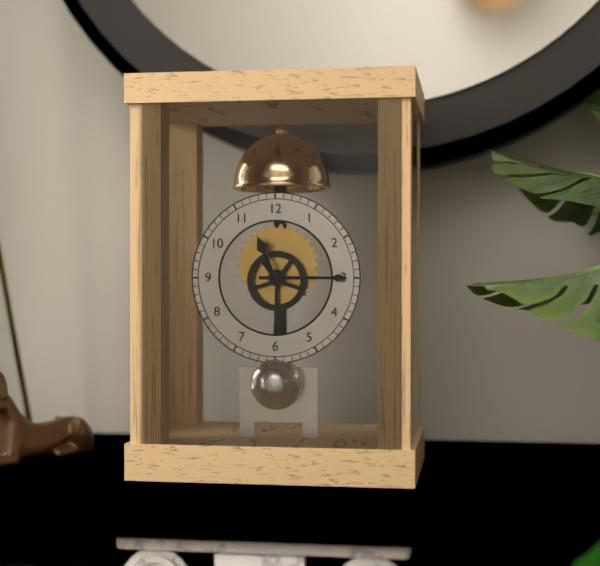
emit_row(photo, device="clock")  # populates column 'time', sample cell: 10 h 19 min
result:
11 h 15 min
